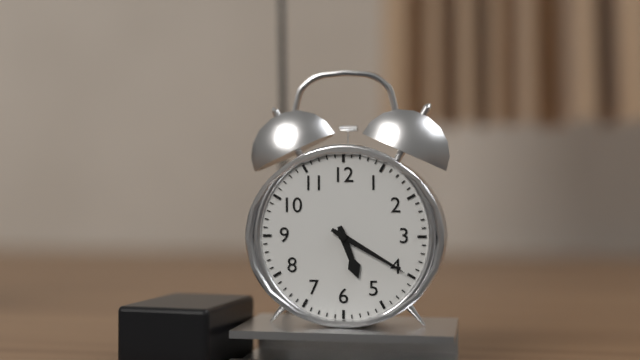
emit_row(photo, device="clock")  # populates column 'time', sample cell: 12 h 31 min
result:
5 h 20 min
